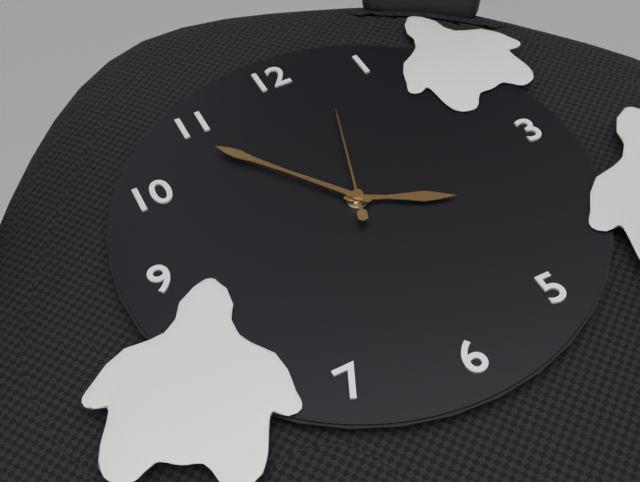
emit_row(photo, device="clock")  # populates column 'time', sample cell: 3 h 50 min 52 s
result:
3 h 54 min 03 s
